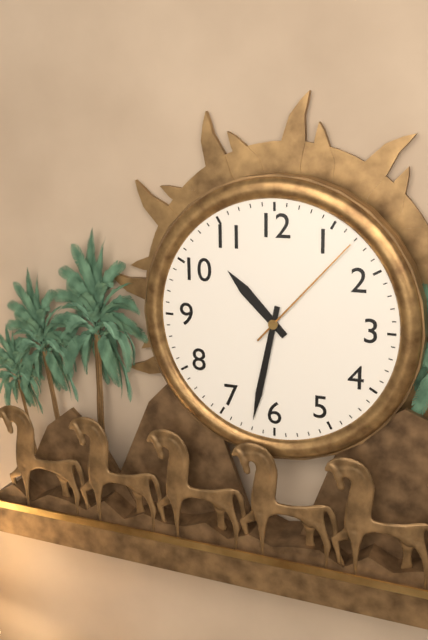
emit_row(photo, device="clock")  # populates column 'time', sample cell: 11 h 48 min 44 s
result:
10 h 32 min 07 s
